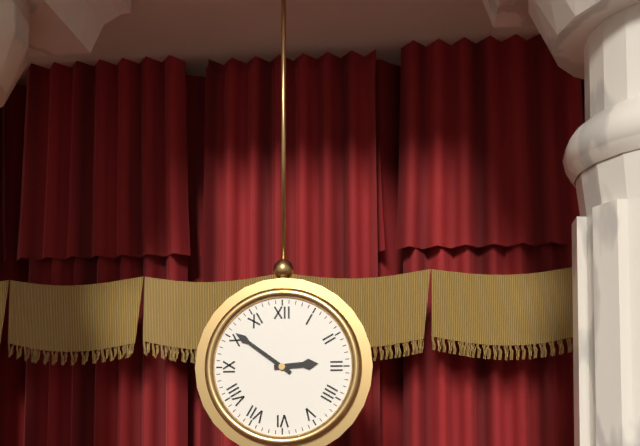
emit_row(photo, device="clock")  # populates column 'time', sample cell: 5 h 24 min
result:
2 h 51 min
